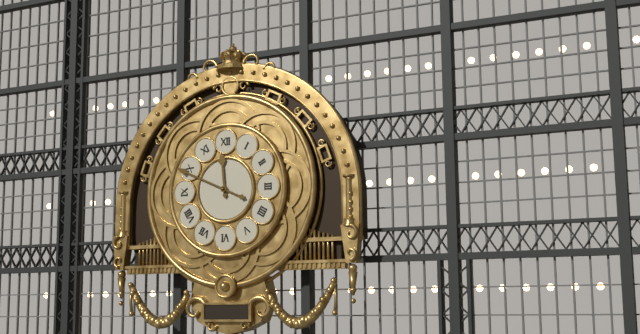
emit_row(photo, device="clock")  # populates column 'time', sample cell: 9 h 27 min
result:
11 h 49 min
